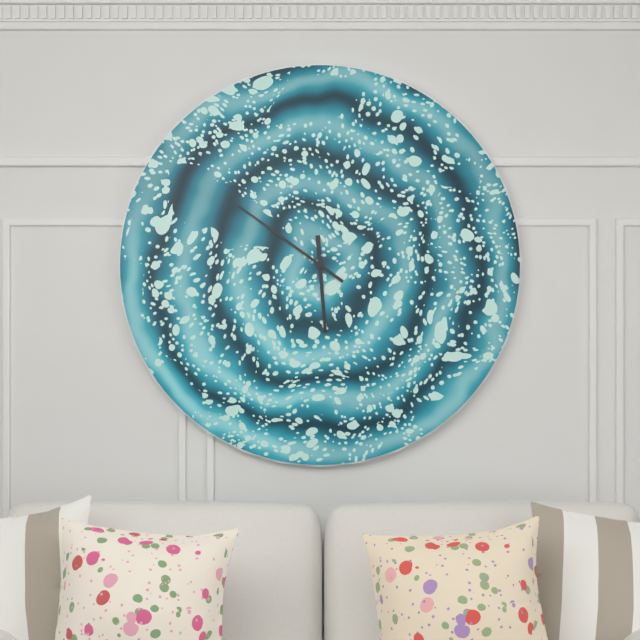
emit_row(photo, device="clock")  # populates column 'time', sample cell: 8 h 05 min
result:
5 h 51 min
